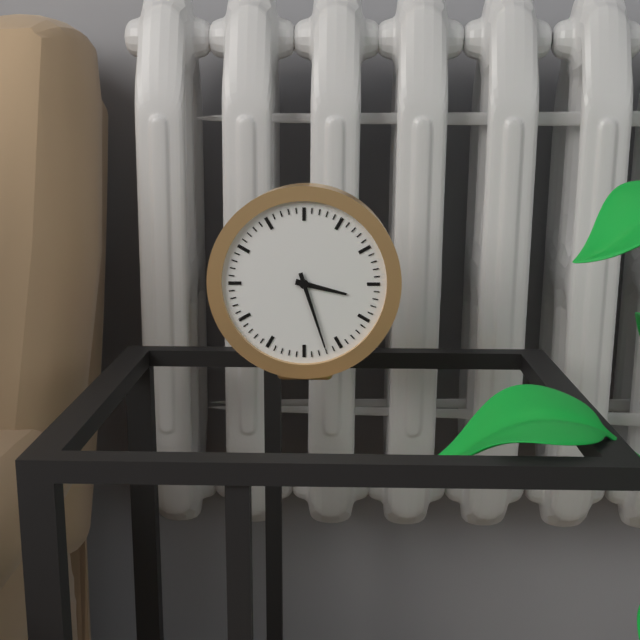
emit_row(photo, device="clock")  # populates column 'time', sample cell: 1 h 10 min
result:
3 h 27 min
